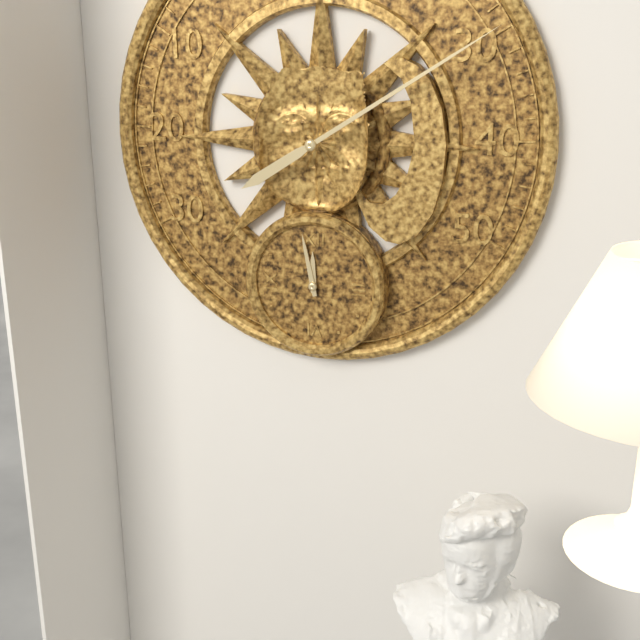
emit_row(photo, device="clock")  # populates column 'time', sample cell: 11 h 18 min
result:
11 h 58 min
